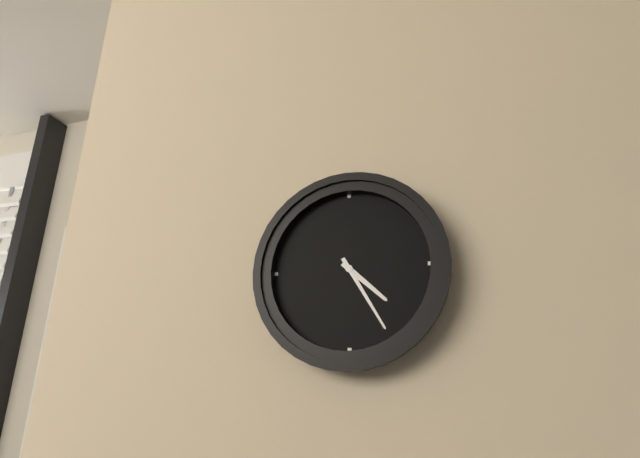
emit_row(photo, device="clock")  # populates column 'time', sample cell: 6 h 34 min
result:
4 h 25 min
